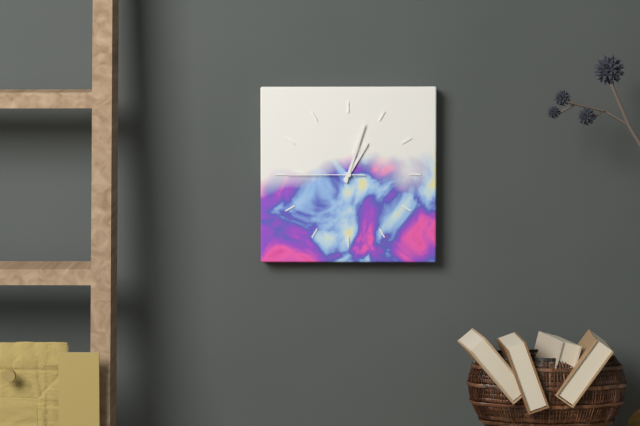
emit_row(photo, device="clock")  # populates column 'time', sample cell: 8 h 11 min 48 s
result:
1 h 03 min 45 s
